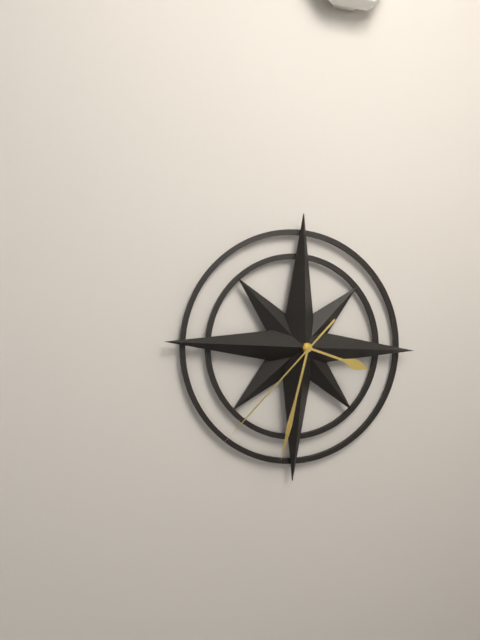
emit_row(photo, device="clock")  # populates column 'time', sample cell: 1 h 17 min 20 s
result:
3 h 32 min 37 s
